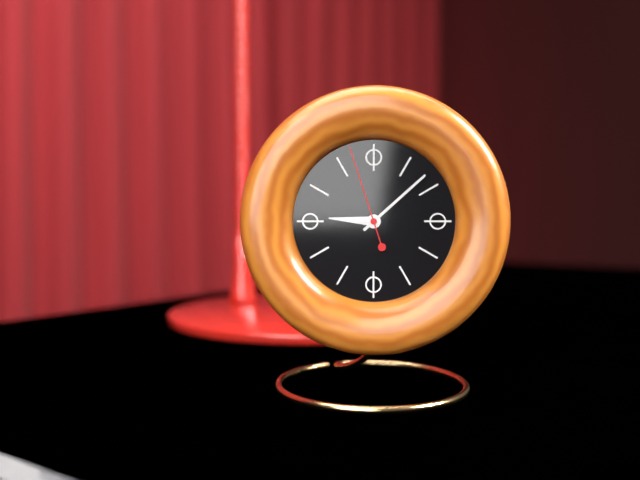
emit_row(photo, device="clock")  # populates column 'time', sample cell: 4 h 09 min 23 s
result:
9 h 08 min 57 s
